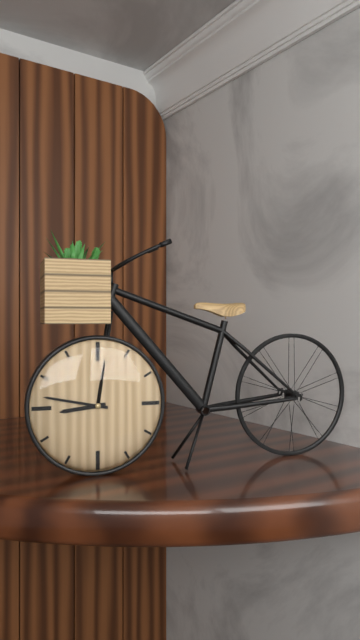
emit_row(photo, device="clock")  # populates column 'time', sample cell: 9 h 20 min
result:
8 h 47 min
